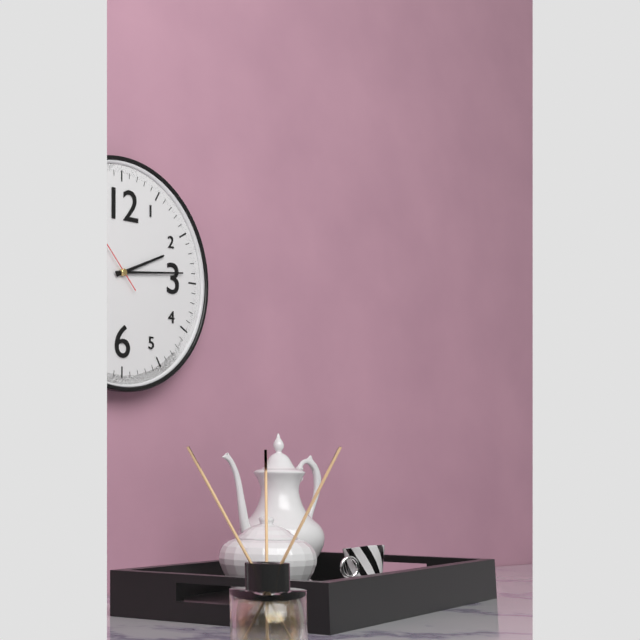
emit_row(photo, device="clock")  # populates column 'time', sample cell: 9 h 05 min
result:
2 h 14 min
